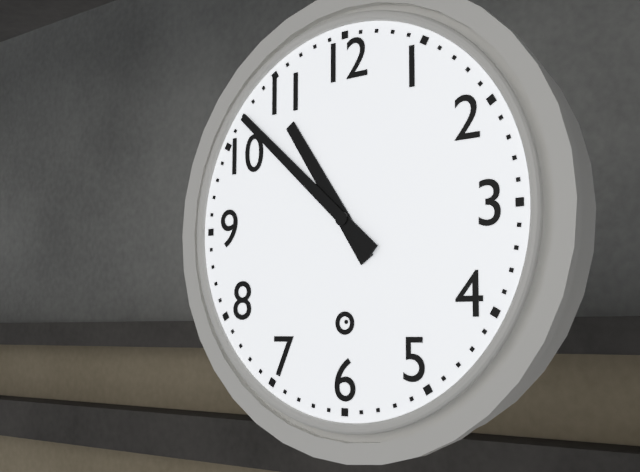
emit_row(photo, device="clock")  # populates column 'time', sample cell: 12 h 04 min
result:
10 h 52 min
